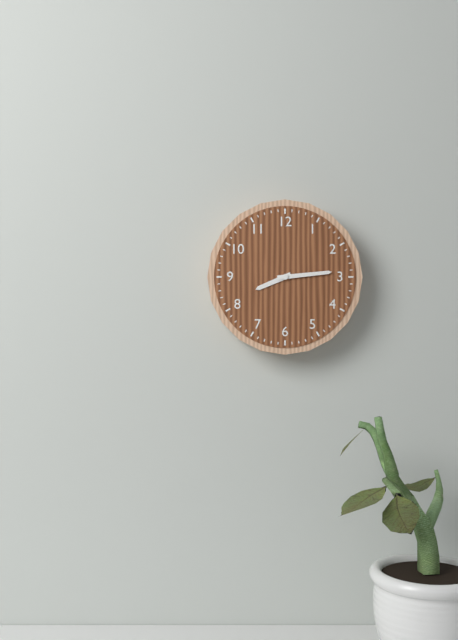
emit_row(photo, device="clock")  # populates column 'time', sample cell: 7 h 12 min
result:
8 h 14 min
